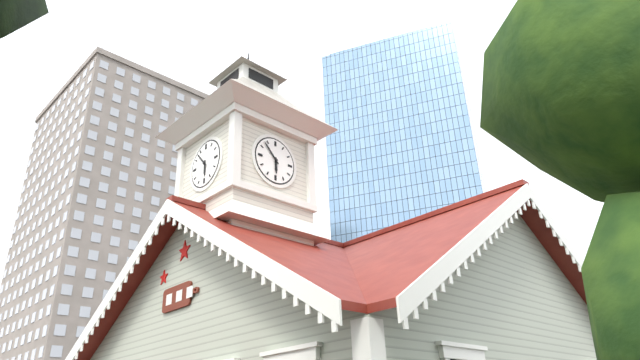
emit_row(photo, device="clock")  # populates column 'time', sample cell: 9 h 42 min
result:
5 h 53 min
